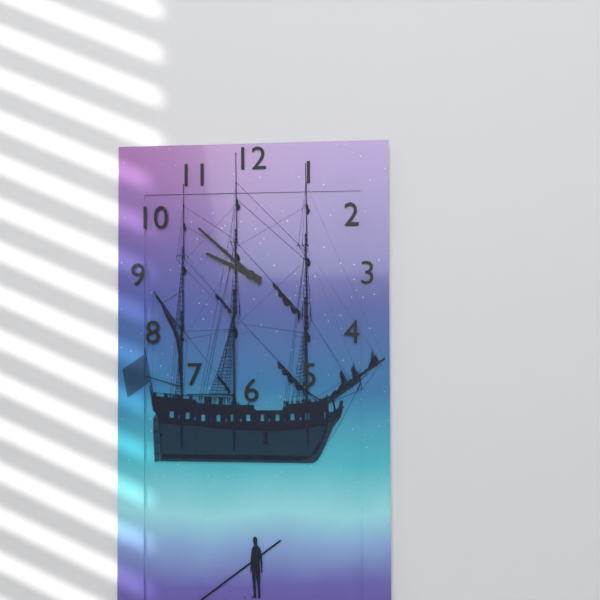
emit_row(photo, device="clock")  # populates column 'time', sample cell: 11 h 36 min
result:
9 h 52 min
